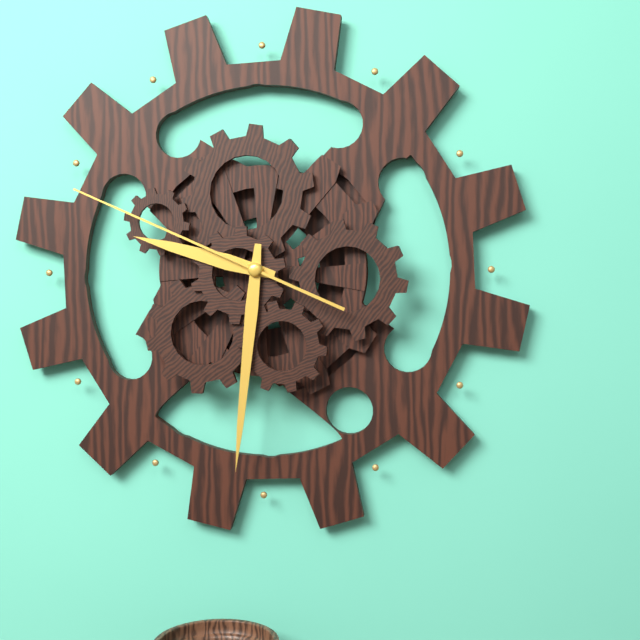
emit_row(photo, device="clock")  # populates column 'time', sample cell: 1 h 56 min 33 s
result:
9 h 31 min 49 s
